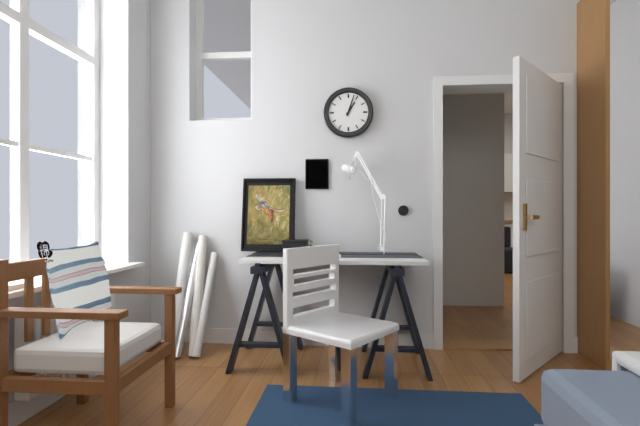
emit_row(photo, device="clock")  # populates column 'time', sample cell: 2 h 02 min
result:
1 h 03 min
